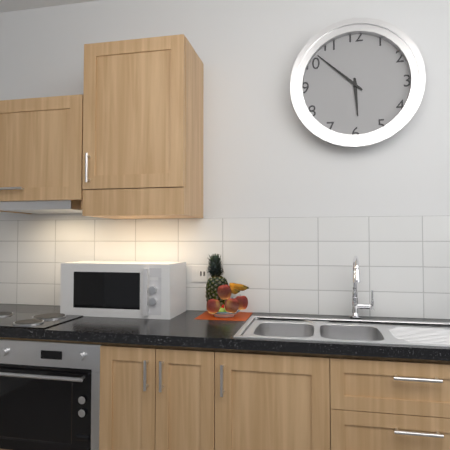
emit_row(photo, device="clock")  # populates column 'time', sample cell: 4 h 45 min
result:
5 h 52 min
